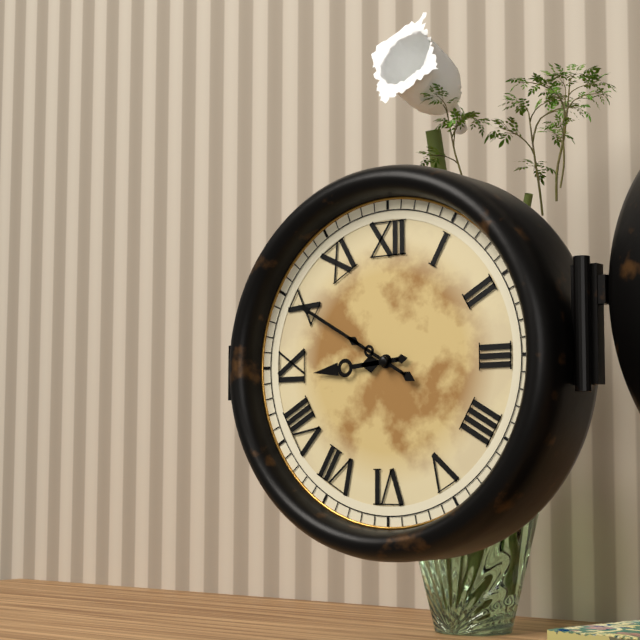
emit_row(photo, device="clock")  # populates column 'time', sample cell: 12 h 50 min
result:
8 h 50 min
